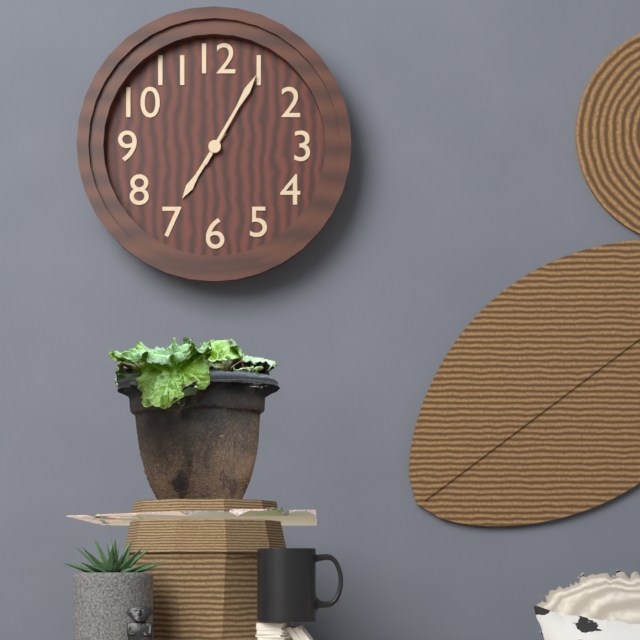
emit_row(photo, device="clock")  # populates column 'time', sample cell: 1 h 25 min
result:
7 h 05 min
